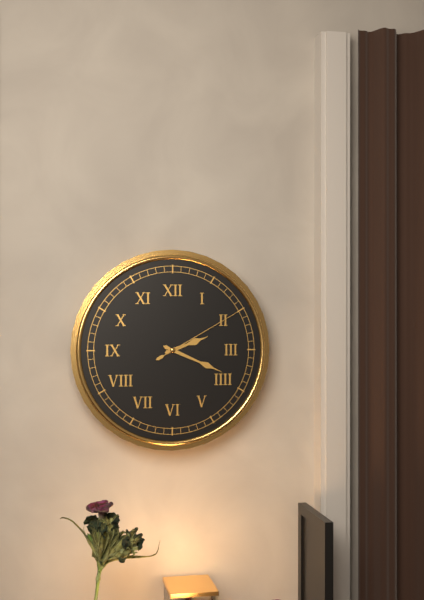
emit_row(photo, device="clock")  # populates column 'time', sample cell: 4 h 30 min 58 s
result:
2 h 19 min 10 s
